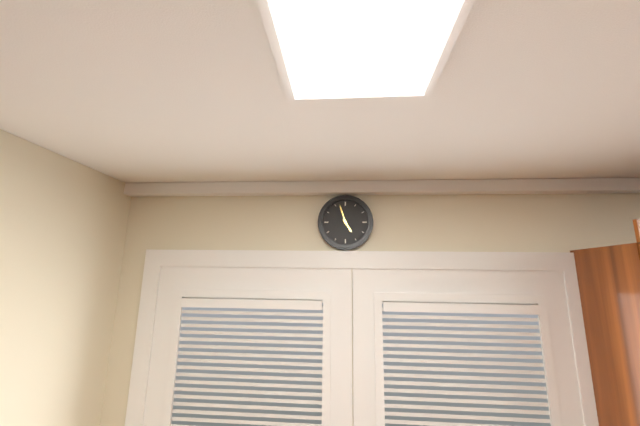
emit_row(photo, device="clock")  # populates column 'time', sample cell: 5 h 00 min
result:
4 h 57 min
